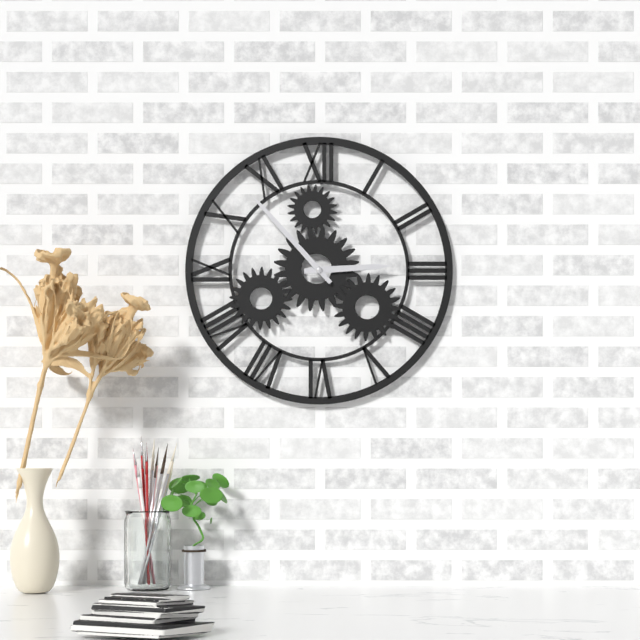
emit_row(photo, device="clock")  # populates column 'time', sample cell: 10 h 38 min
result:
2 h 53 min
